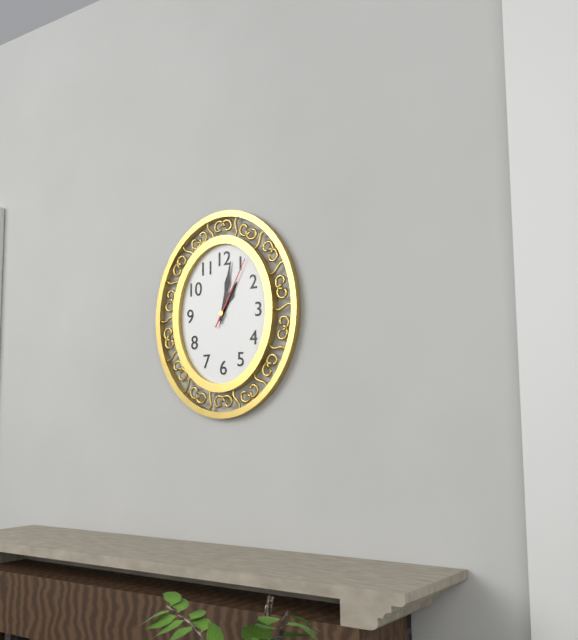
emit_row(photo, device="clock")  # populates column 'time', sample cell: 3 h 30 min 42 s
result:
1 h 02 min 05 s
